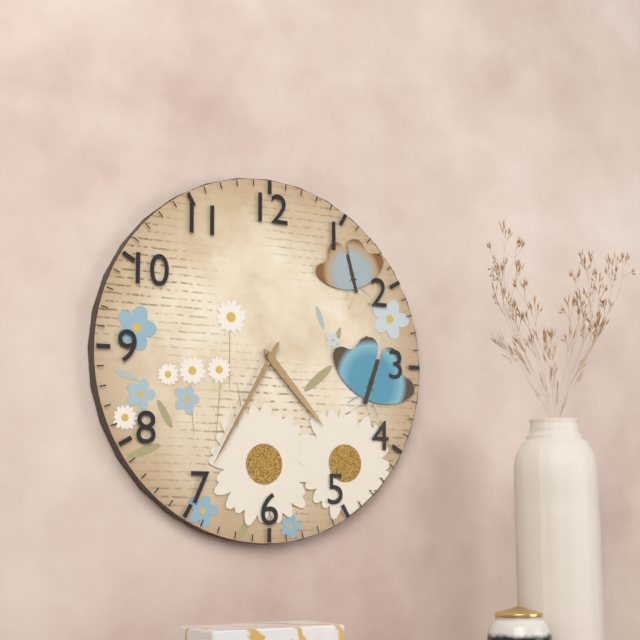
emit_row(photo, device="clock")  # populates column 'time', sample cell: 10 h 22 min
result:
4 h 35 min
